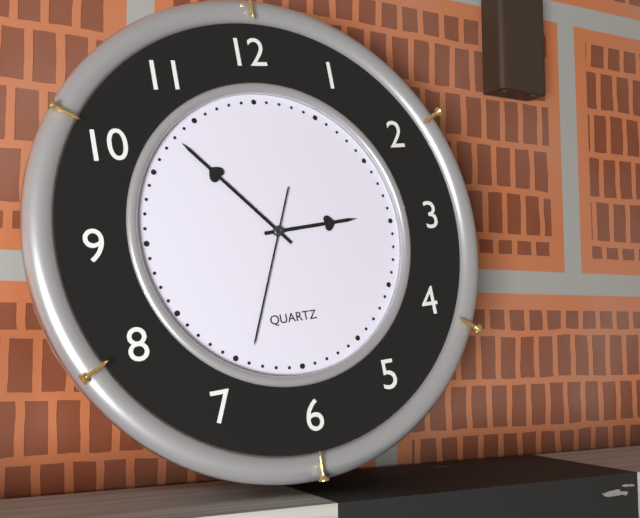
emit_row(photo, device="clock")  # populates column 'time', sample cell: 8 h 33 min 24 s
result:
2 h 53 min 34 s
